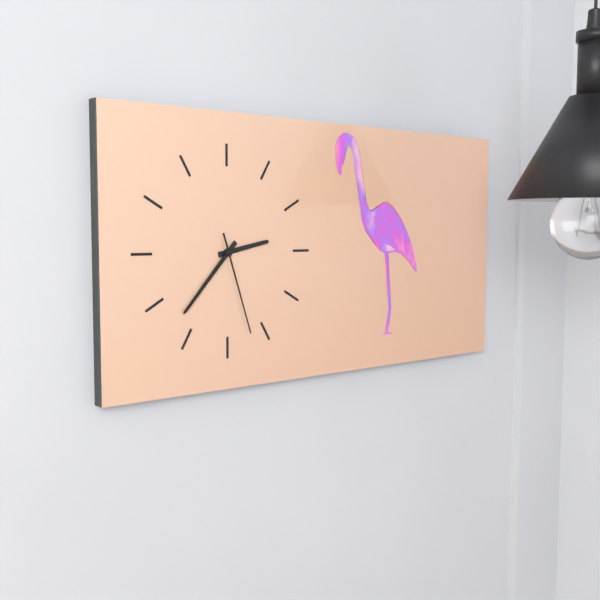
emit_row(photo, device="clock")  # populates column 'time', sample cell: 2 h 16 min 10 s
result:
2 h 37 min 27 s
